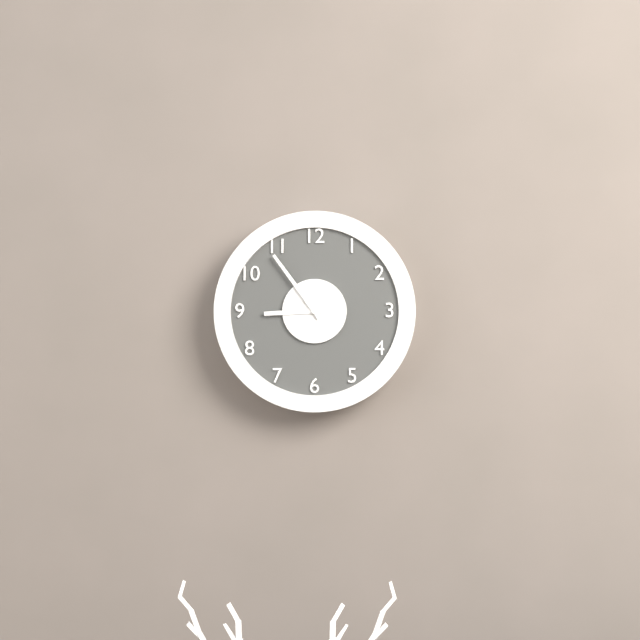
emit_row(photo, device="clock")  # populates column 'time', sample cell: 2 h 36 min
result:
8 h 54 min
